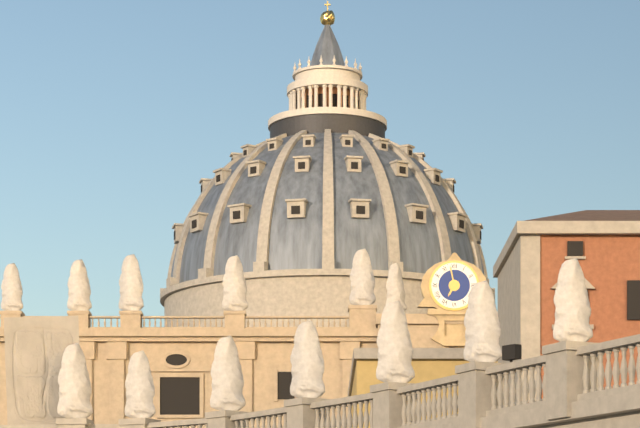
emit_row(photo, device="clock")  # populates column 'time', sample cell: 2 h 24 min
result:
6 h 58 min
